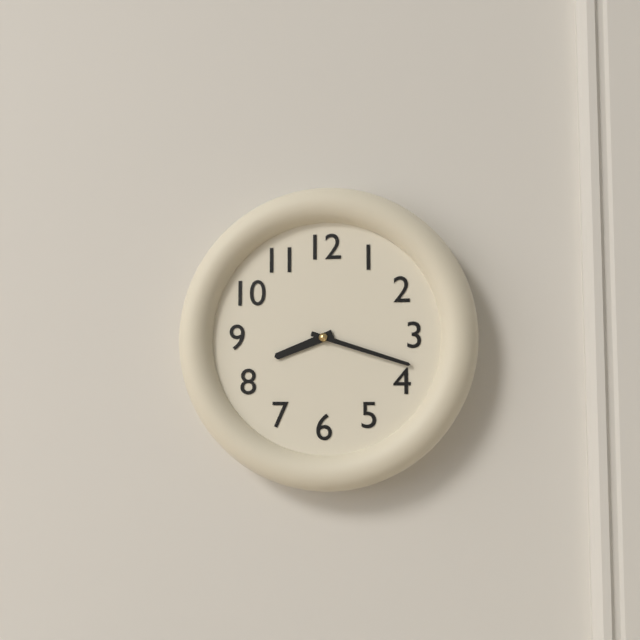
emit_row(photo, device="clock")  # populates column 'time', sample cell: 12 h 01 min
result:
8 h 18 min
